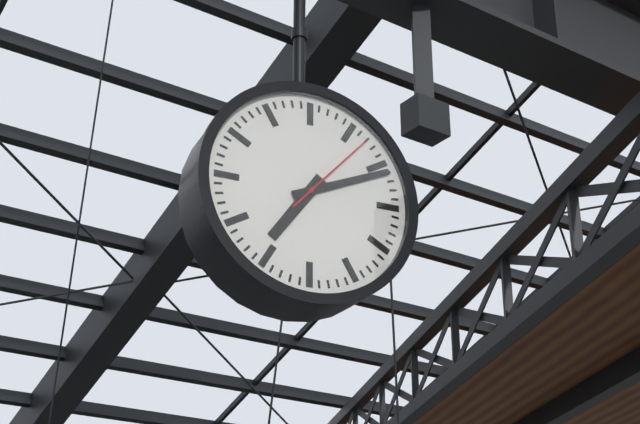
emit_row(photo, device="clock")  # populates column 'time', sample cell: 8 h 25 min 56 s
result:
7 h 11 min 07 s
